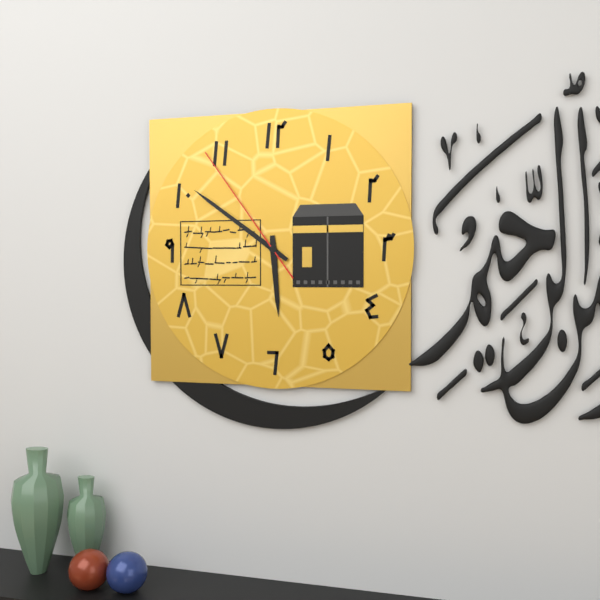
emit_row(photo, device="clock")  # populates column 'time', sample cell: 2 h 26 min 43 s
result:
5 h 51 min 54 s
